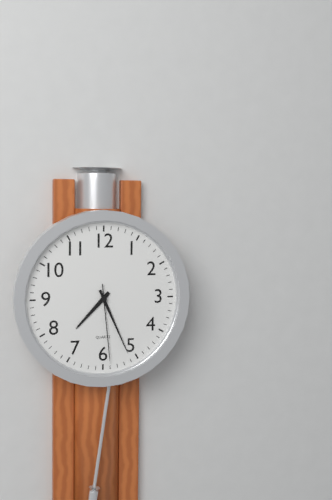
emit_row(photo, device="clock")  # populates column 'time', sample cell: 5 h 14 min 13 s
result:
7 h 26 min 29 s
